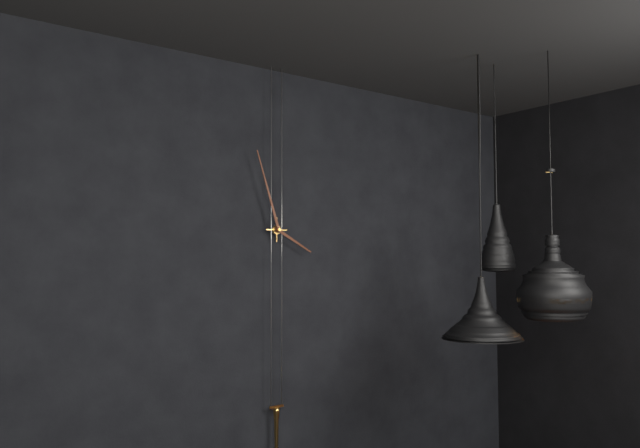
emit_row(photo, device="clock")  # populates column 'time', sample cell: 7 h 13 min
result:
3 h 57 min
